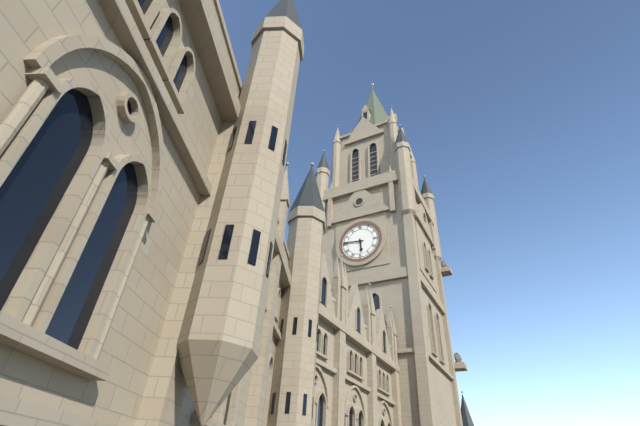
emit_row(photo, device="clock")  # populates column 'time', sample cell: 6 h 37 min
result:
5 h 46 min
